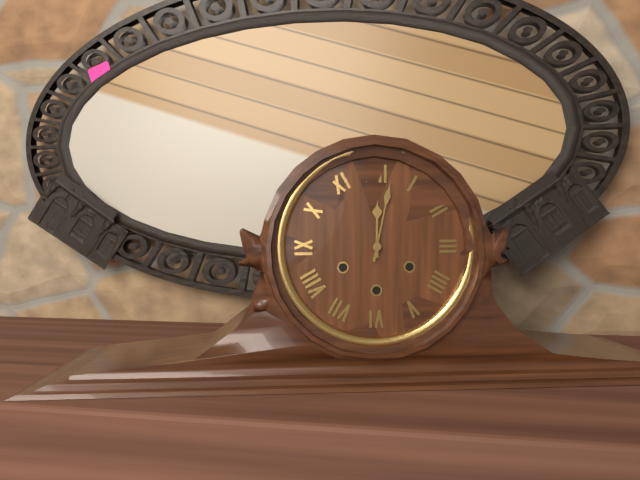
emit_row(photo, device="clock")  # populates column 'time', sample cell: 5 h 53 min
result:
12 h 02 min
